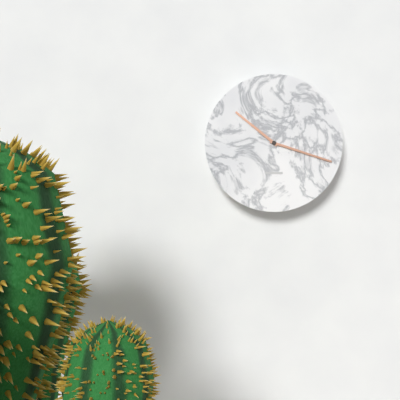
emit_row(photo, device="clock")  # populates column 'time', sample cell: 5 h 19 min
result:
10 h 18 min
